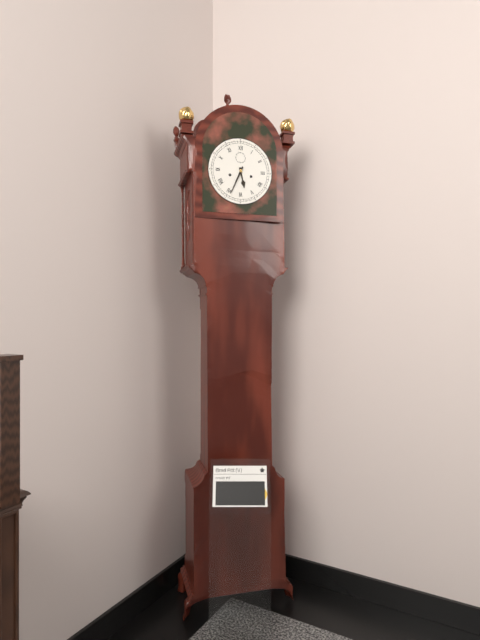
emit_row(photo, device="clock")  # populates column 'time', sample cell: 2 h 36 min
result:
5 h 34 min
